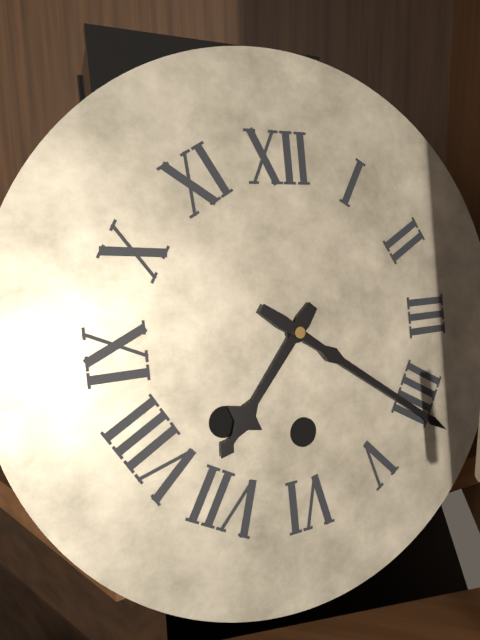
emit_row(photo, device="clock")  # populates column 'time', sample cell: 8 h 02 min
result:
7 h 21 min
